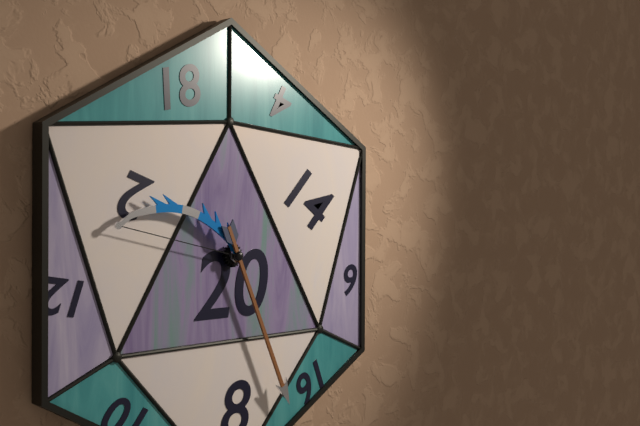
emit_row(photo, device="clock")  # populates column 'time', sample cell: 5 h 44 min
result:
9 h 26 min
